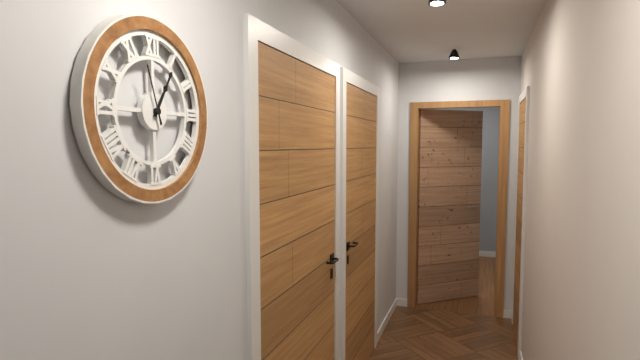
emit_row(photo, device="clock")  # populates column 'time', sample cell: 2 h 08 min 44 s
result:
1 h 05 min 57 s
